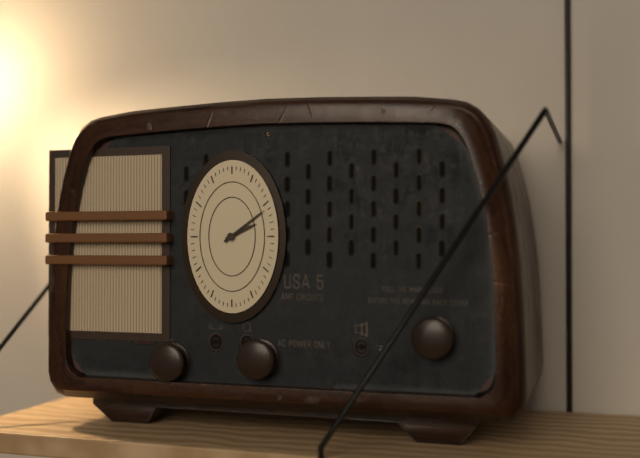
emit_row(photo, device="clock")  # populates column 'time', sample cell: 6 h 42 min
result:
2 h 09 min
